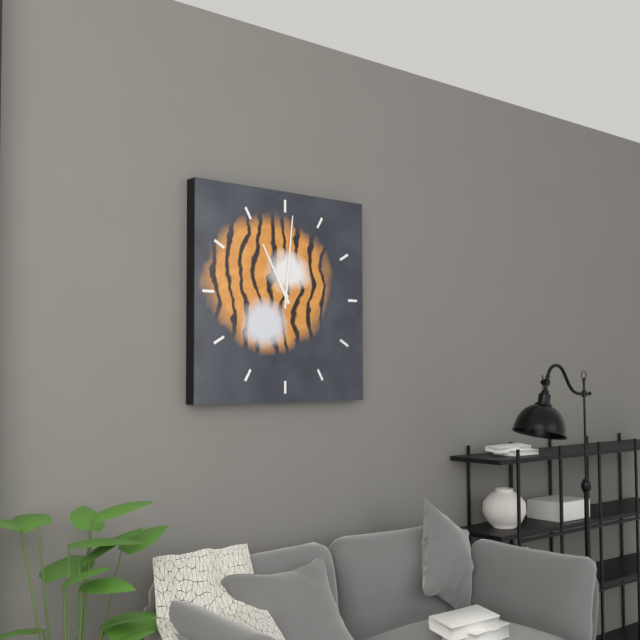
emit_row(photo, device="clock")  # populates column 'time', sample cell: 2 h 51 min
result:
11 h 01 min
